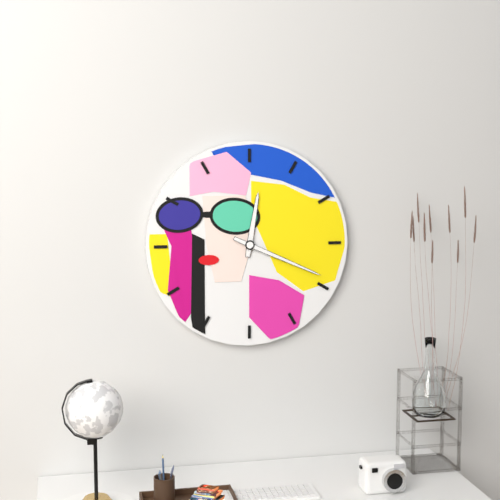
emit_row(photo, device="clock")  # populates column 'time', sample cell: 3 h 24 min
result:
12 h 19 min
